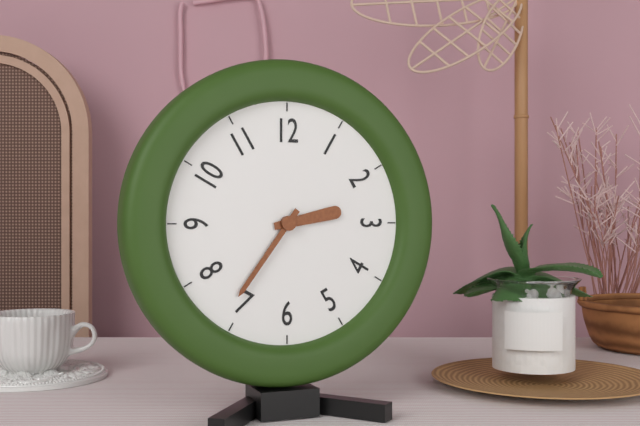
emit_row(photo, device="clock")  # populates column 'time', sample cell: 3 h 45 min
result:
2 h 36 min
